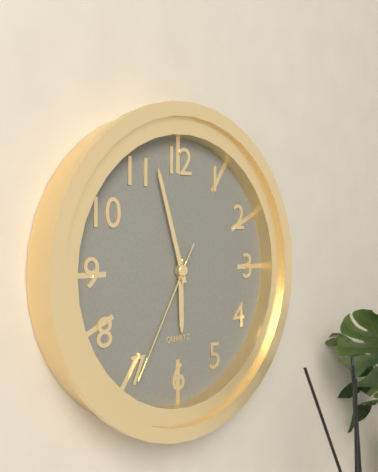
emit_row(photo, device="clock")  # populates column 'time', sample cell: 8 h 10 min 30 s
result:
5 h 57 min 35 s
